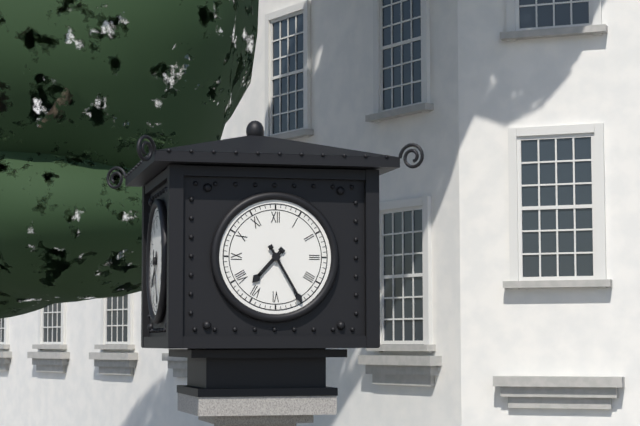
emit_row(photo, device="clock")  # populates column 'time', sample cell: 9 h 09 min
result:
7 h 25 min
